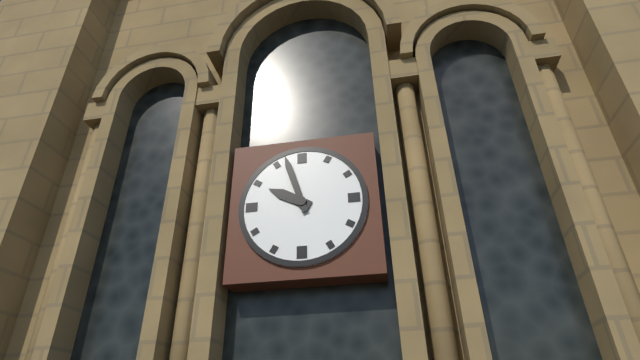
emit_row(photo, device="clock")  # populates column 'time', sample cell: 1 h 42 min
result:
9 h 57 min
